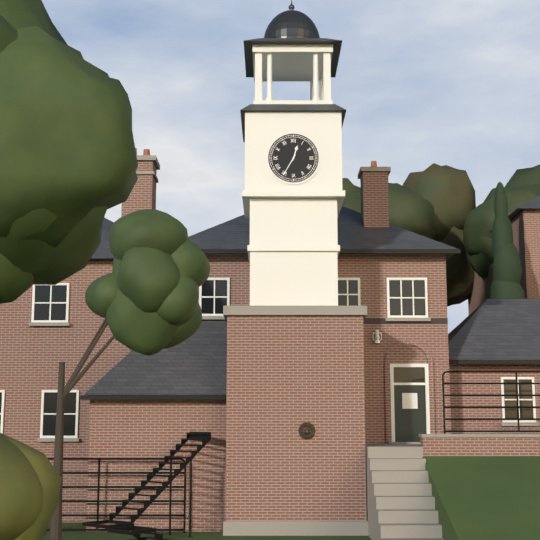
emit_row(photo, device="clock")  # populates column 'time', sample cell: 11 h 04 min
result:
12 h 35 min
